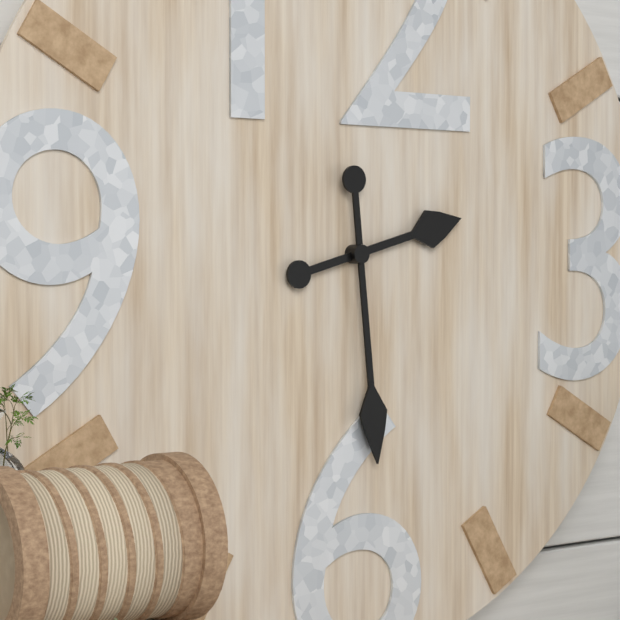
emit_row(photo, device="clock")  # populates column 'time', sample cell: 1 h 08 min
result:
2 h 29 min
